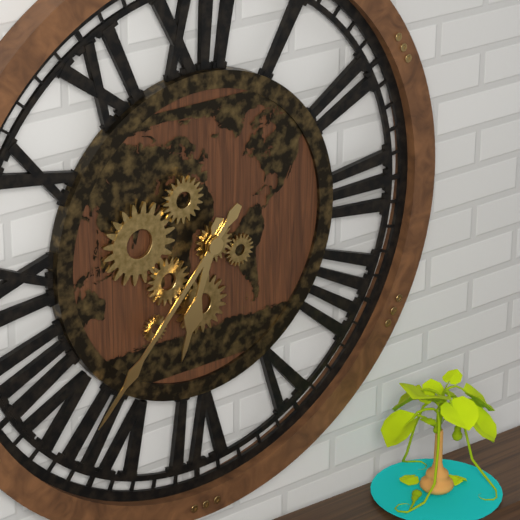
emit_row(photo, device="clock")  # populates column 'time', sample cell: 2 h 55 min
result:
6 h 37 min
